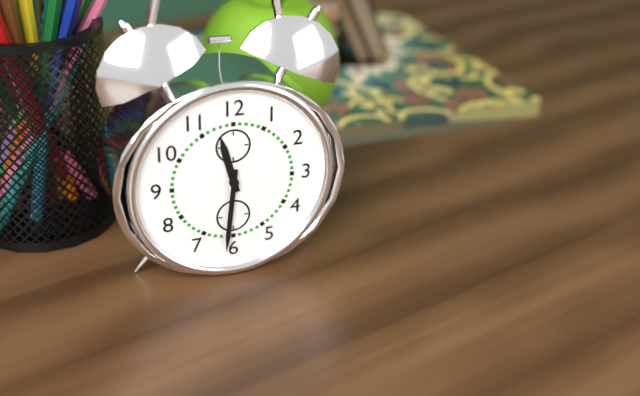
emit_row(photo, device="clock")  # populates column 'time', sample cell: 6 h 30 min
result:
11 h 31 min
